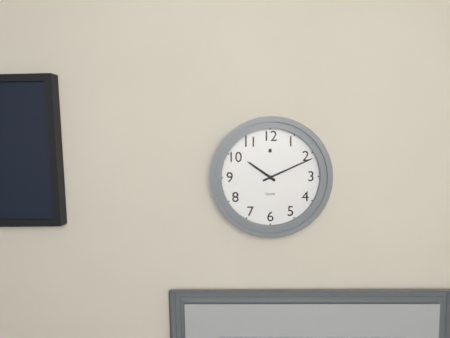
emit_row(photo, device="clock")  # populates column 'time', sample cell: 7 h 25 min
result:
10 h 11 min
